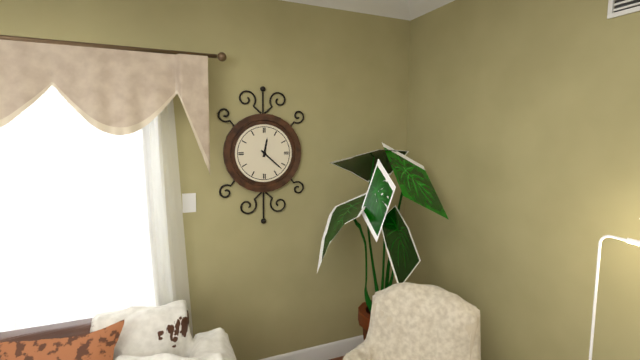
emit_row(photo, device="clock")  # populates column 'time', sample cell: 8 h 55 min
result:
12 h 22 min
